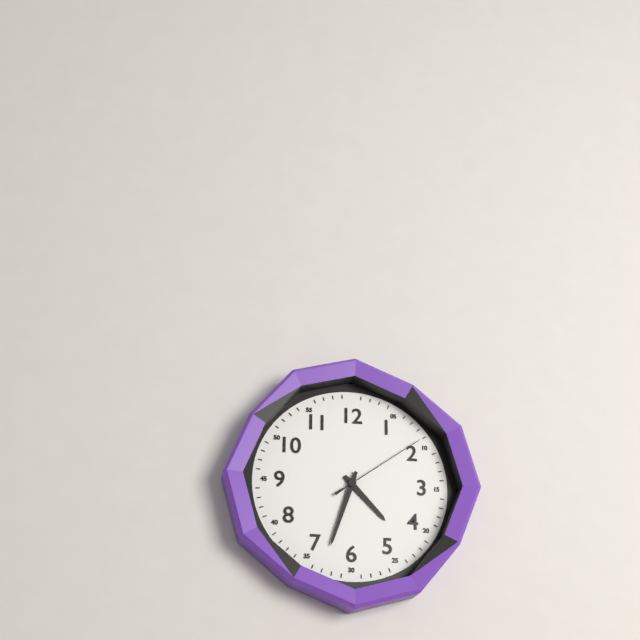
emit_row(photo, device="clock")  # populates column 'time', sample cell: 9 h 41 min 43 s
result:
4 h 33 min 09 s
